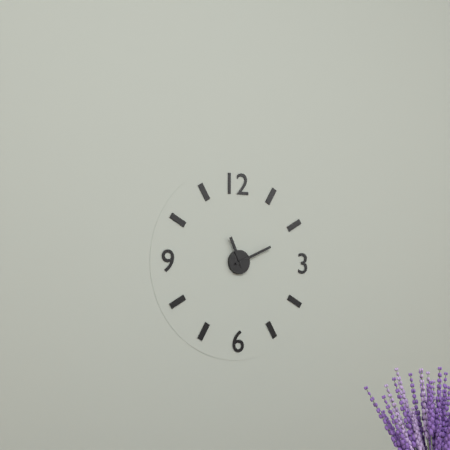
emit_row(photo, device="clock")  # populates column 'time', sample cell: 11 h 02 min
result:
11 h 11 min
